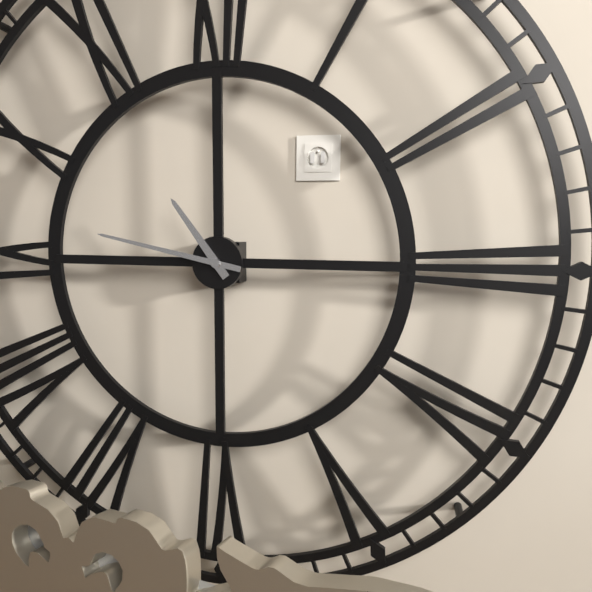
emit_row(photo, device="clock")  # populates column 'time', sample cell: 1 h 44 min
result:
10 h 47 min
